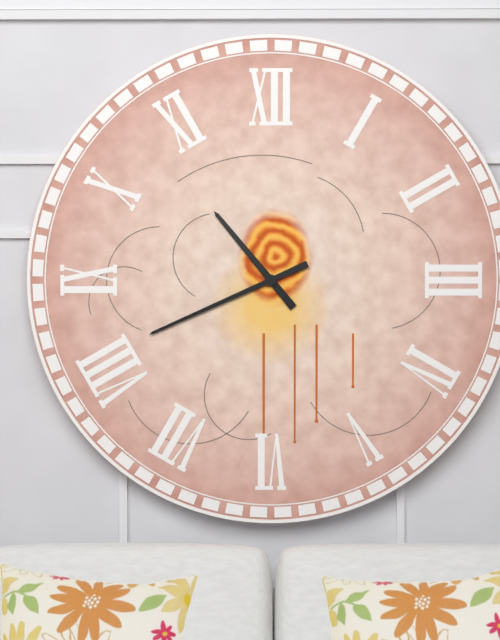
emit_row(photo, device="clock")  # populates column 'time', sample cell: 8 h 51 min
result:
10 h 41 min
